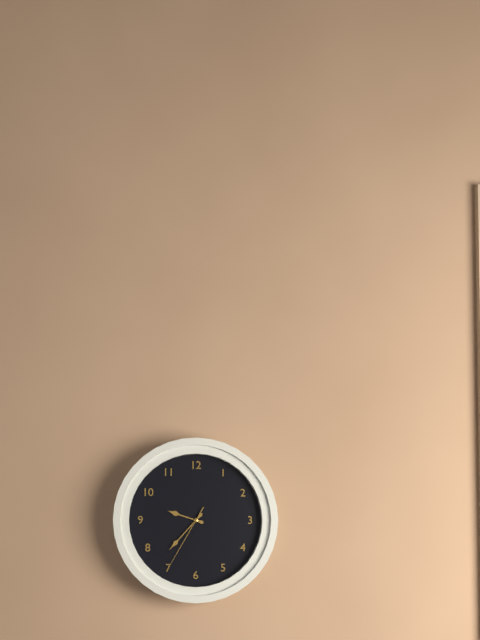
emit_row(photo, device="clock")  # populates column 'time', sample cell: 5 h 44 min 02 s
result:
9 h 37 min 35 s
